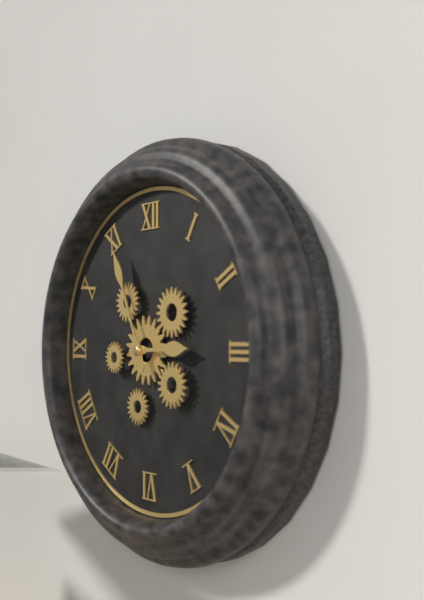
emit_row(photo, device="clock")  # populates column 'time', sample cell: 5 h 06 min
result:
2 h 56 min
